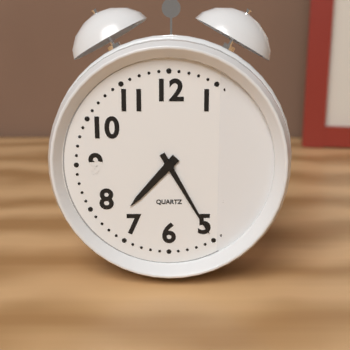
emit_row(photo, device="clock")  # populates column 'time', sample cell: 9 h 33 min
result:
7 h 25 min
